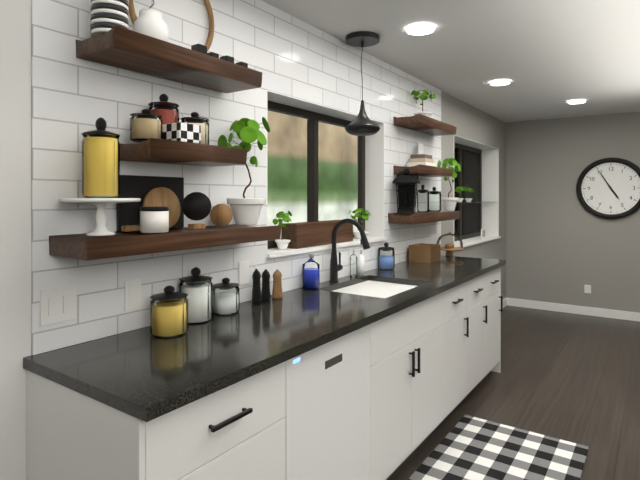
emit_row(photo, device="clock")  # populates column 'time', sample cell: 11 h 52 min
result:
4 h 55 min
